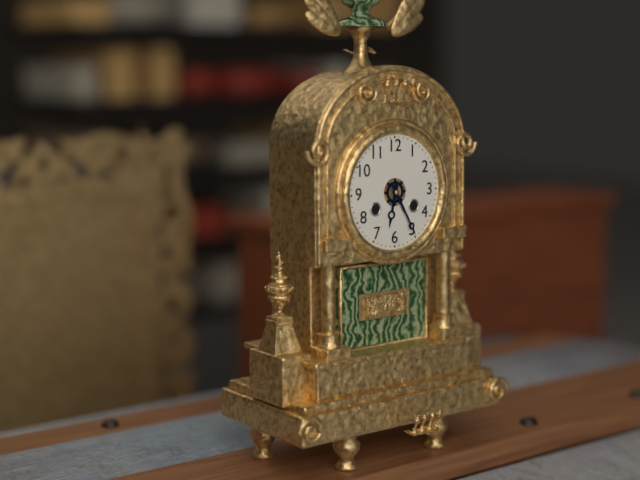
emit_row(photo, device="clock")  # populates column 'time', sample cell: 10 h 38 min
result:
6 h 25 min
